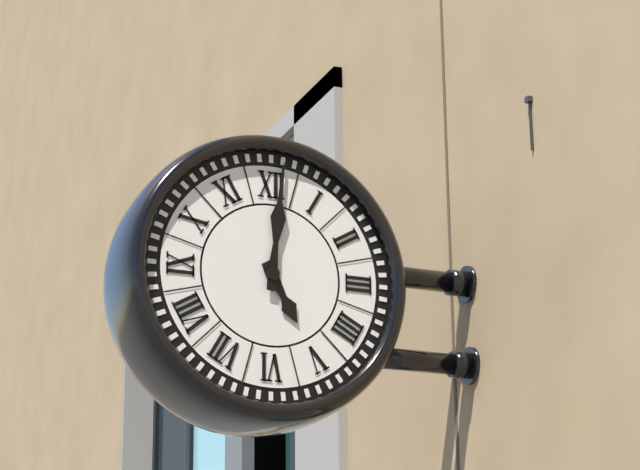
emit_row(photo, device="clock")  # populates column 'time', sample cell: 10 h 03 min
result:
5 h 01 min
